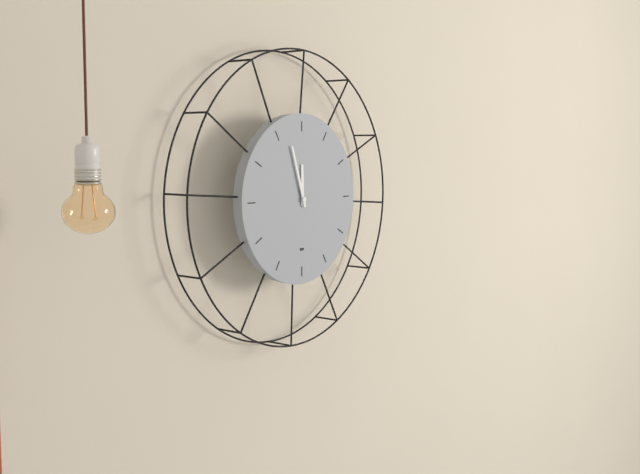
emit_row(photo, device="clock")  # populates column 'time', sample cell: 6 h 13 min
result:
11 h 57 min
